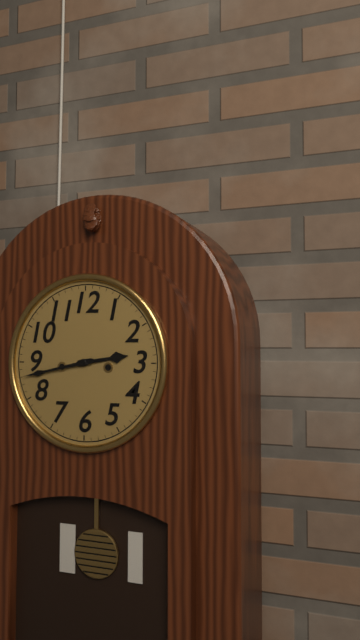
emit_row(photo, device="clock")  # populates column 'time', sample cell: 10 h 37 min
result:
2 h 43 min
